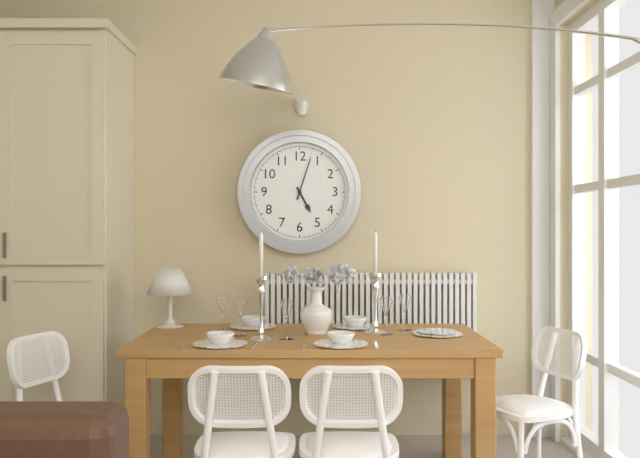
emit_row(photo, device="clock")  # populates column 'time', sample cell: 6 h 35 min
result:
5 h 03 min
